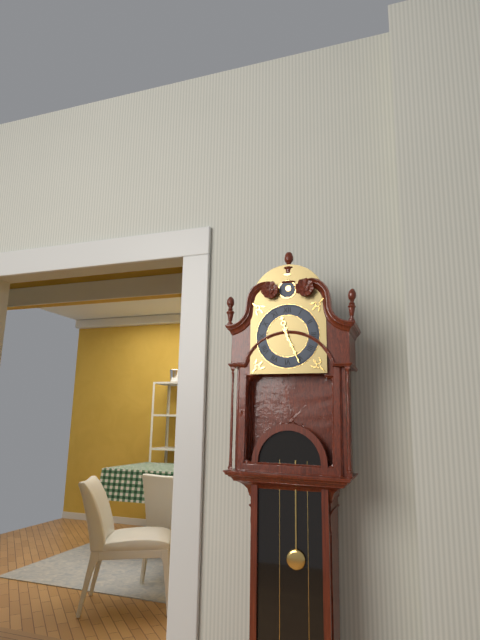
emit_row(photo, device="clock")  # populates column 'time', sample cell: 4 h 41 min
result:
11 h 26 min
